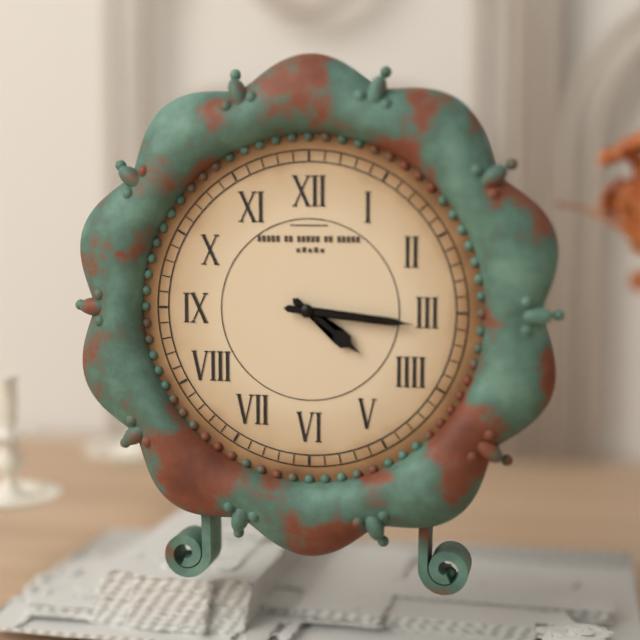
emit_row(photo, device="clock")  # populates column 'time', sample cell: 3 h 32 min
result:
4 h 16 min
